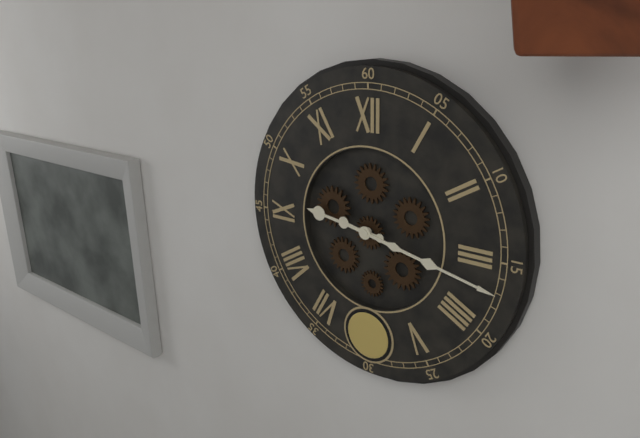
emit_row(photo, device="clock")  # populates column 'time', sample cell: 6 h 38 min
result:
9 h 17 min
